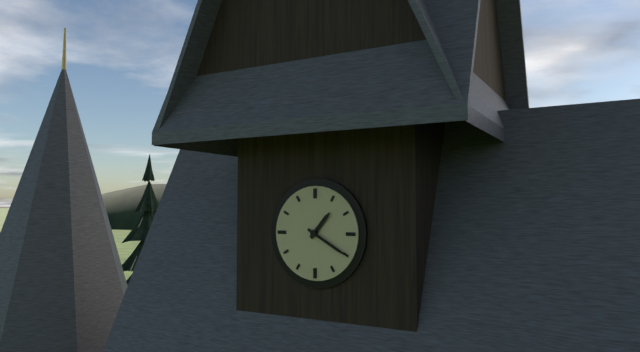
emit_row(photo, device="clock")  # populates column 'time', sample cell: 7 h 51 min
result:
1 h 20 min
